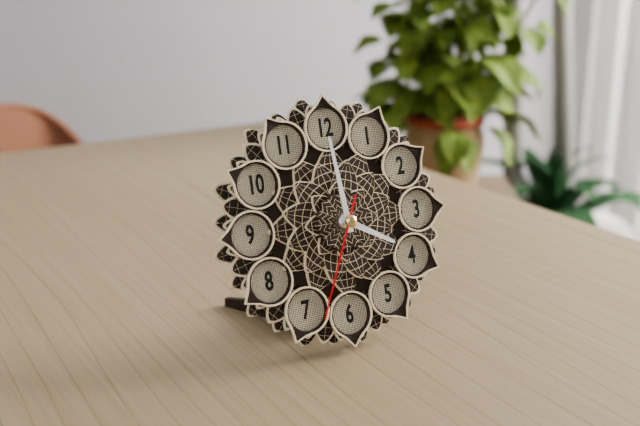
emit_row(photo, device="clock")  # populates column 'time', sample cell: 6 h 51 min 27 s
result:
3 h 59 min 34 s
